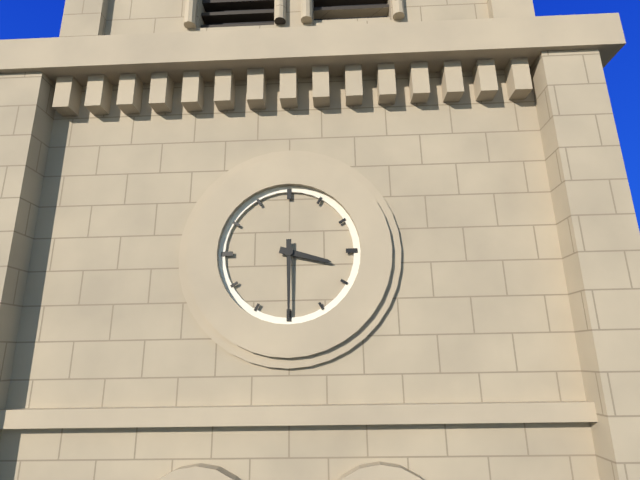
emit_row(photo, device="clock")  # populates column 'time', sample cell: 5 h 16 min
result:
3 h 30 min
